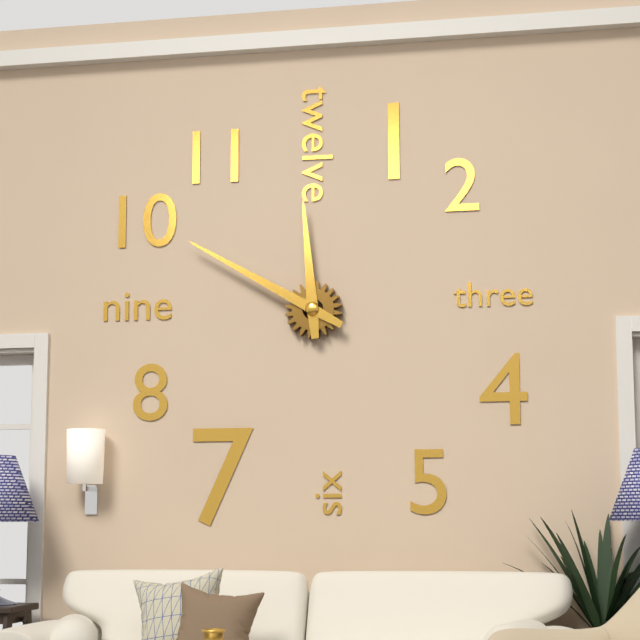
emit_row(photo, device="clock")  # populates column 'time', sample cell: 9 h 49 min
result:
11 h 50 min
